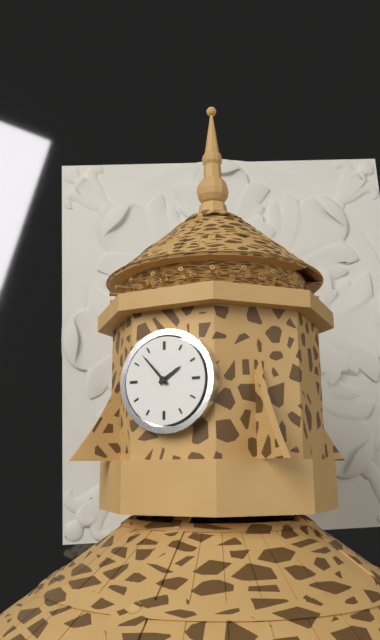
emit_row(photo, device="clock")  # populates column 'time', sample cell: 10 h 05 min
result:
1 h 53 min
